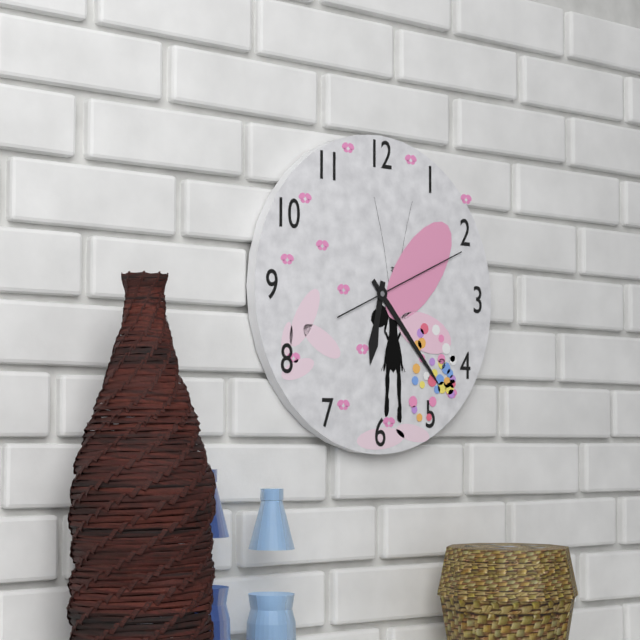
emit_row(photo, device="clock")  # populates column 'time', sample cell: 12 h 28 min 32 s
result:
6 h 23 min 11 s
